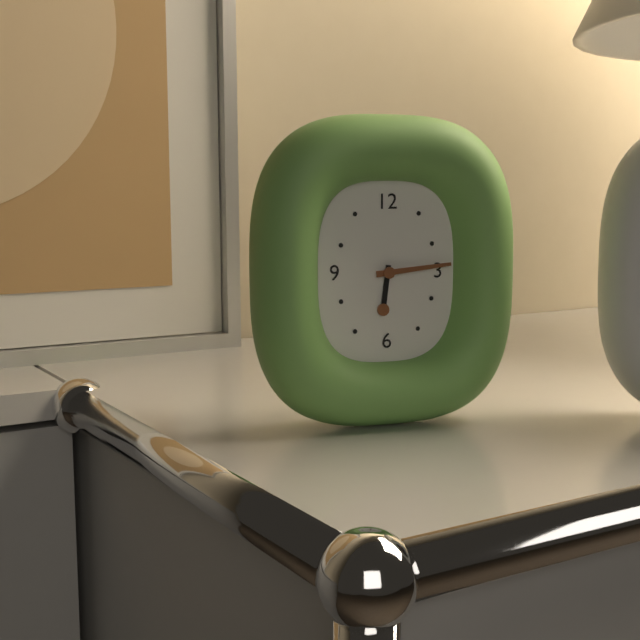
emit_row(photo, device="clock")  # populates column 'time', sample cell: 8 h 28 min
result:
6 h 14 min
